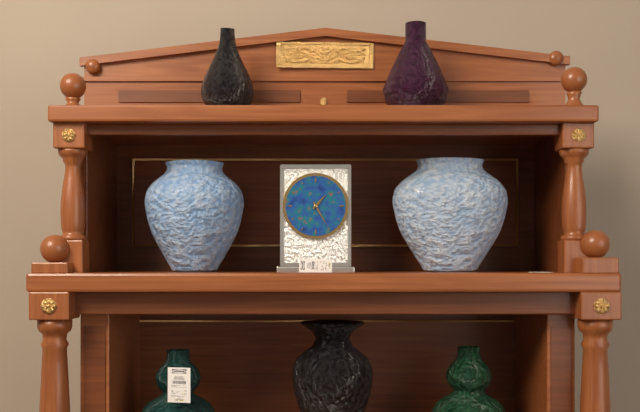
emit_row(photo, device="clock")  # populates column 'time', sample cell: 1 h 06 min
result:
1 h 25 min
